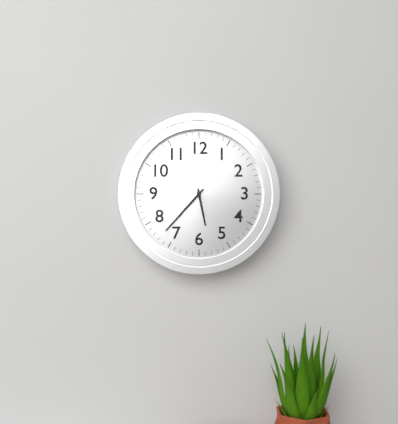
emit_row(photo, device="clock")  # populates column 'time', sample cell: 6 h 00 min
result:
5 h 37 min
